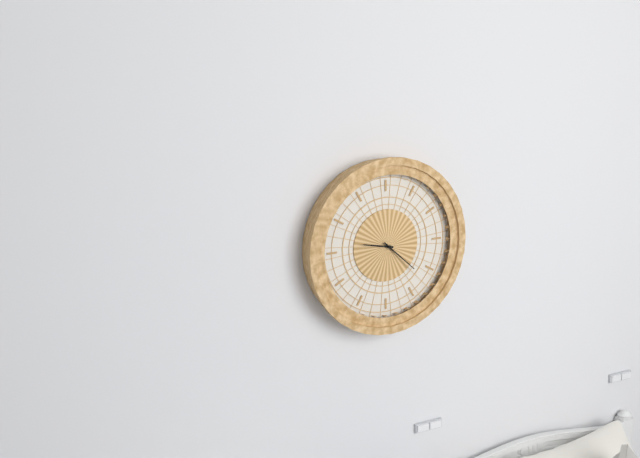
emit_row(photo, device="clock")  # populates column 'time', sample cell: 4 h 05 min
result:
9 h 22 min
